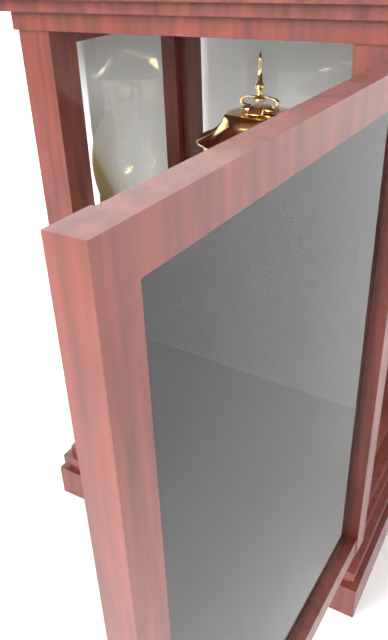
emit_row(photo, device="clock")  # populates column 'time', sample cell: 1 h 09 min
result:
2 h 12 min
